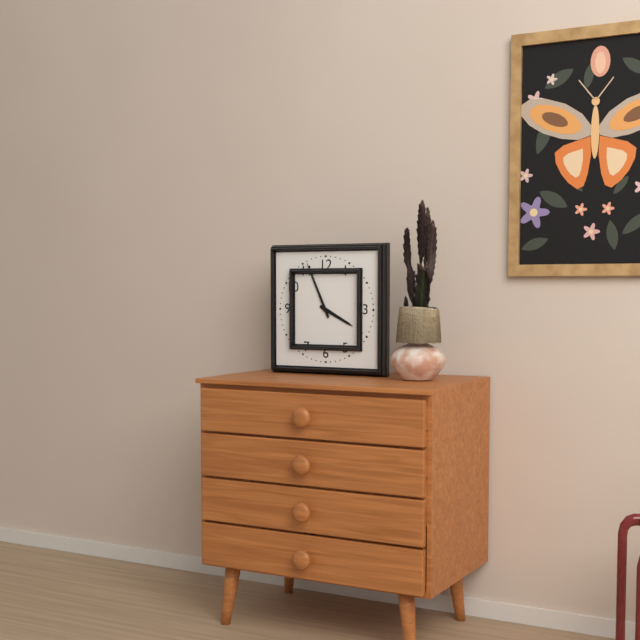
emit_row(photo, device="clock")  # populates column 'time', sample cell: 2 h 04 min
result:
3 h 56 min
